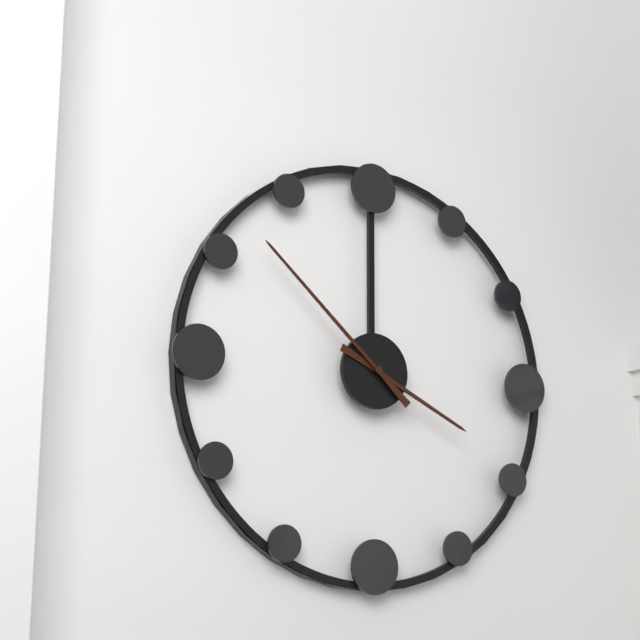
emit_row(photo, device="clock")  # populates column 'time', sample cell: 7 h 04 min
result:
3 h 52 min
